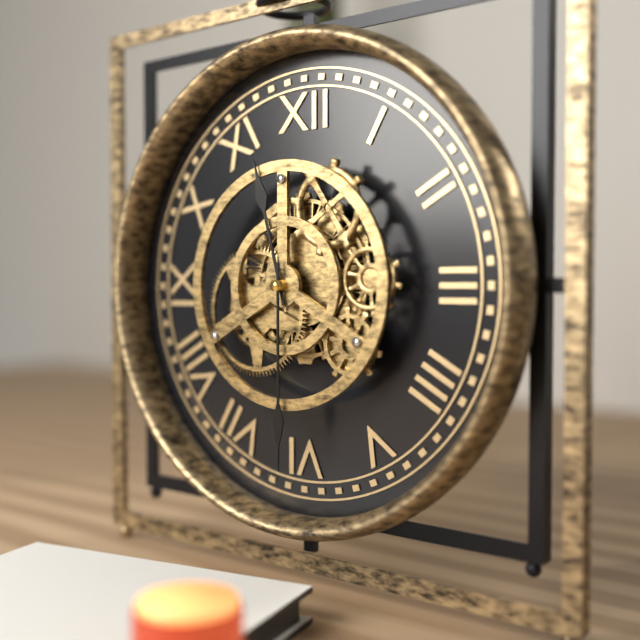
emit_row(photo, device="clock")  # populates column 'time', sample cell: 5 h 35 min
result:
11 h 30 min
